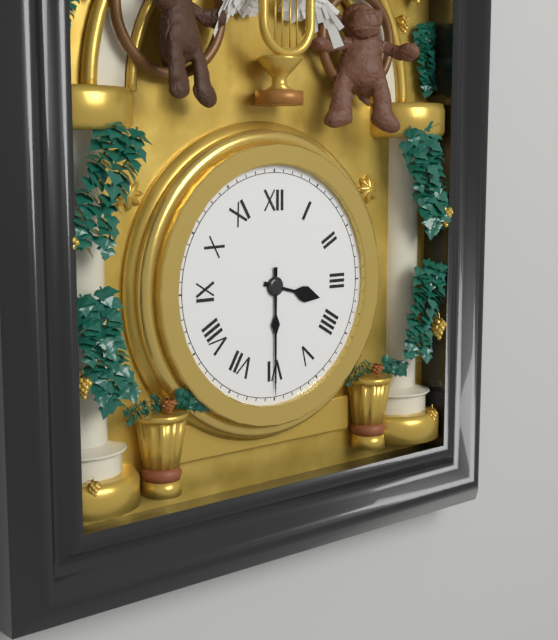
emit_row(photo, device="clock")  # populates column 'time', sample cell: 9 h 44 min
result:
3 h 30 min
